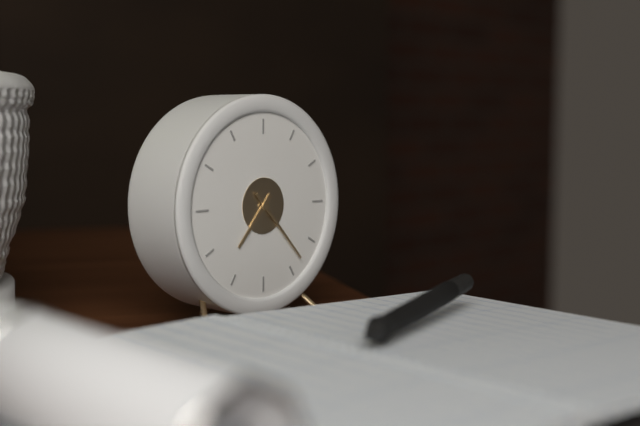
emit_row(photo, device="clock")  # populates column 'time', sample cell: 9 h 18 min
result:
7 h 23 min
